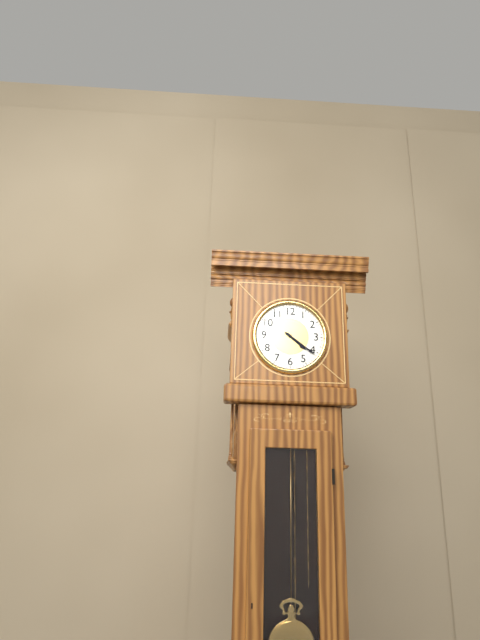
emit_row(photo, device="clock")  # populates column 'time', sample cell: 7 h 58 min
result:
4 h 21 min
